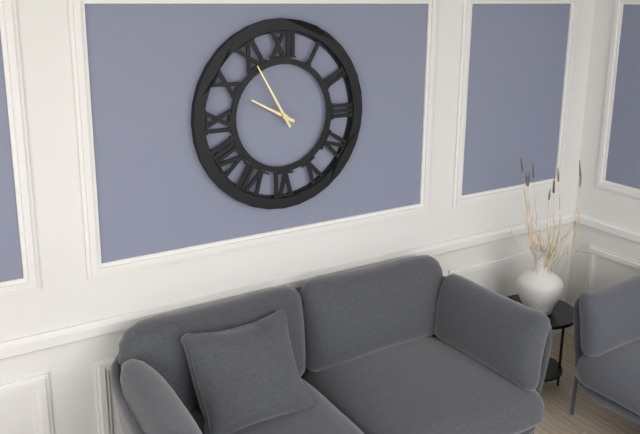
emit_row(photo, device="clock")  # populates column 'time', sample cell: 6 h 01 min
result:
9 h 55 min
